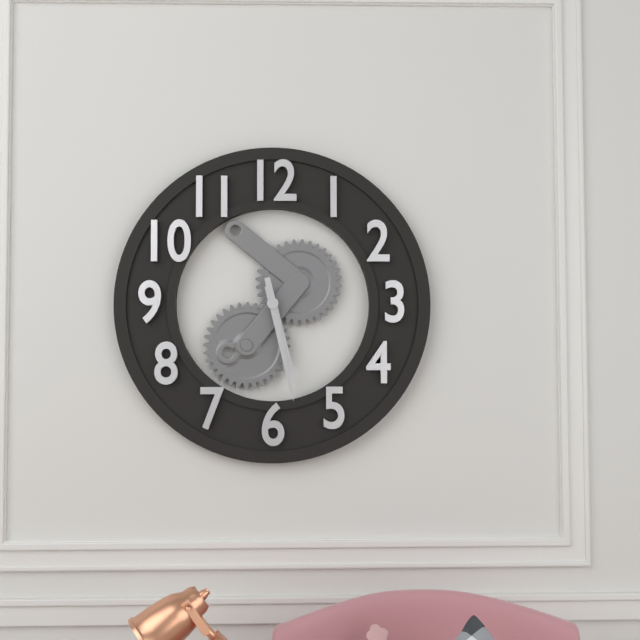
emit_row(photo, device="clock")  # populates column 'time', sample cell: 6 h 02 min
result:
5 h 28 min
